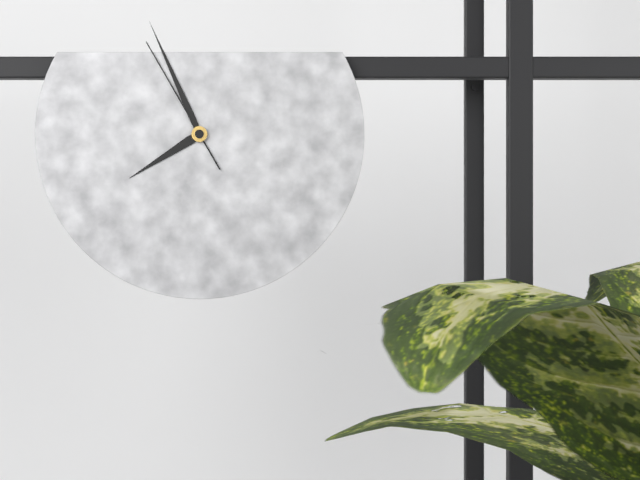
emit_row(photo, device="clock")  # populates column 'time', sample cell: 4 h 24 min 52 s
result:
7 h 56 min 55 s
